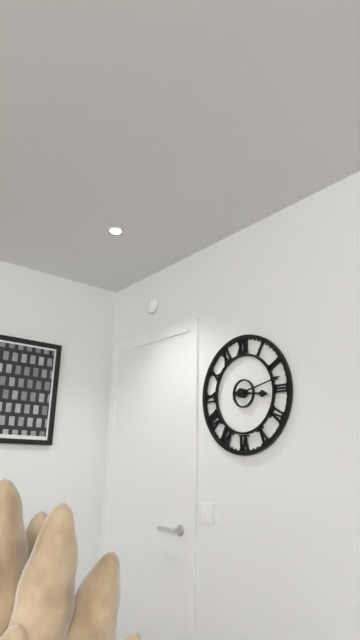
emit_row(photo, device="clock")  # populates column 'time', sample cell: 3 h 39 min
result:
3 h 13 min
